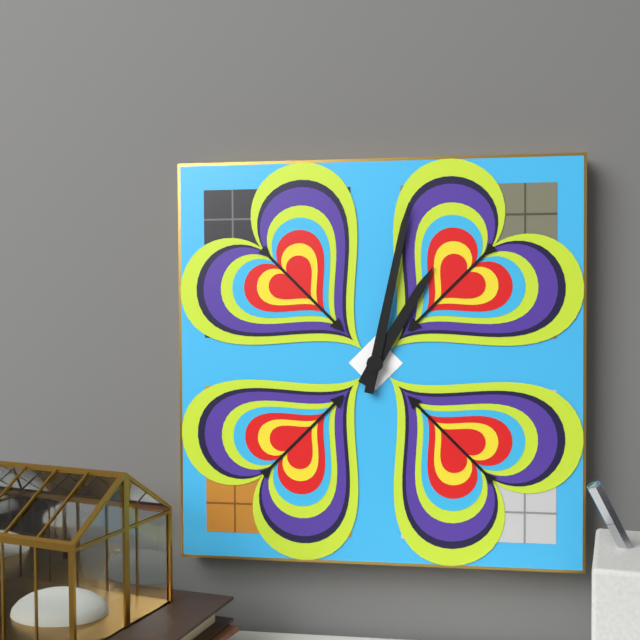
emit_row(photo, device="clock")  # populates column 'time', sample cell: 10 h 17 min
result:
1 h 02 min
